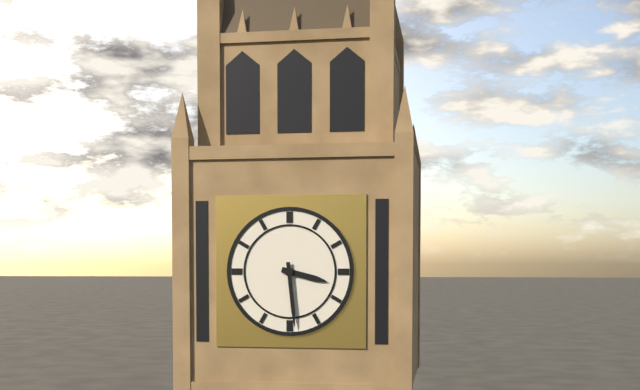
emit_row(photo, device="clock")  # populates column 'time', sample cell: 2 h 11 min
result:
3 h 29 min
